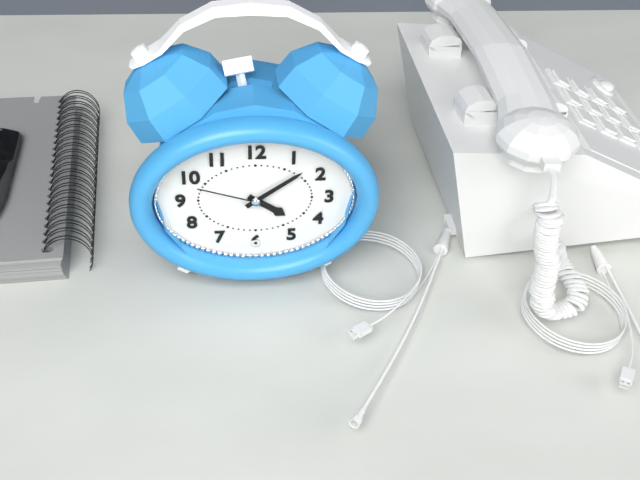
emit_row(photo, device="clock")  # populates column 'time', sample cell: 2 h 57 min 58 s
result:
4 h 09 min 48 s
